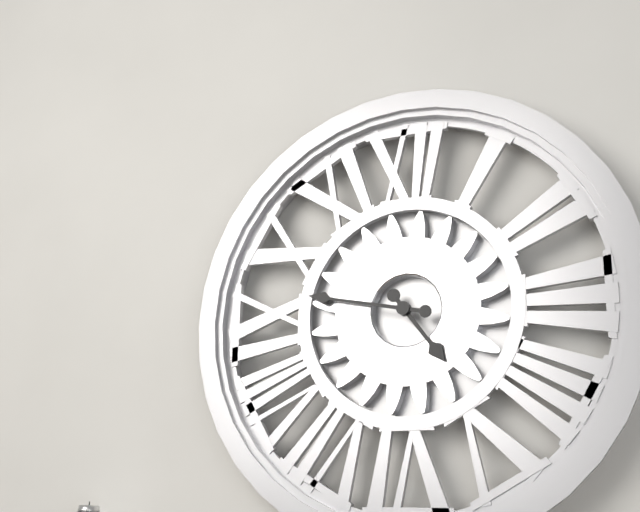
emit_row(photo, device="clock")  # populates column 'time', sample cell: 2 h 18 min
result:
4 h 47 min
